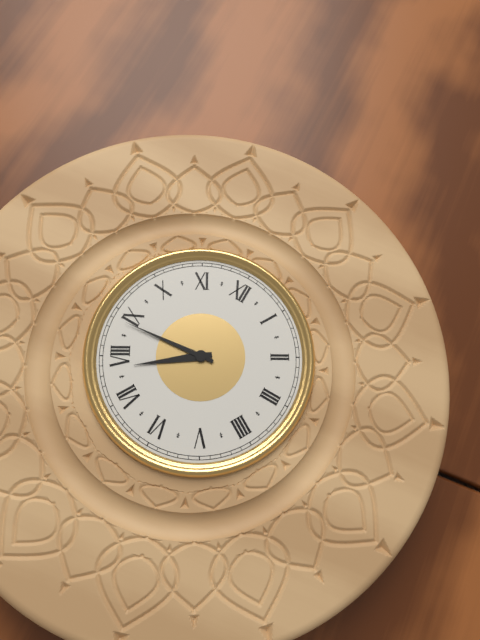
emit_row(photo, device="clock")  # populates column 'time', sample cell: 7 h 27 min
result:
7 h 44 min
